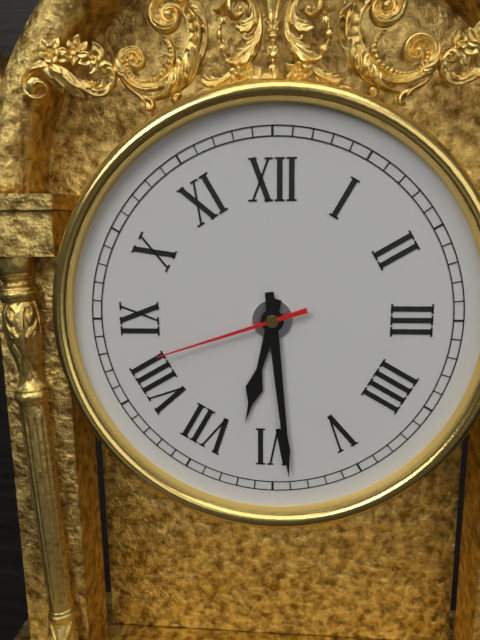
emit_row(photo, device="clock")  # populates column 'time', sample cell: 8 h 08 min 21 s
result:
6 h 29 min 42 s
